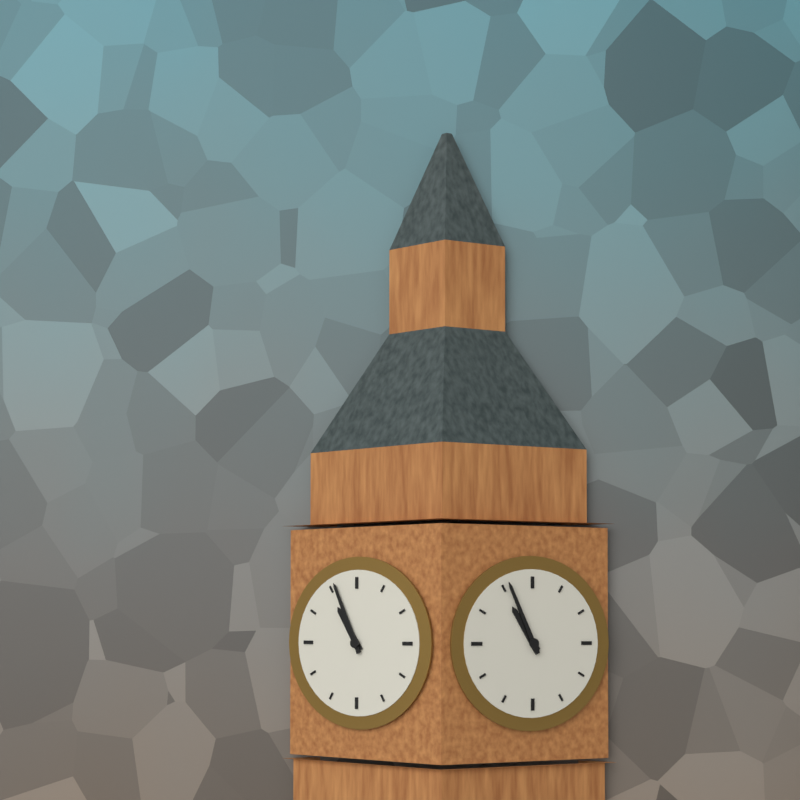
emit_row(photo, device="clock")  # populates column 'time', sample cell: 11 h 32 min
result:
10 h 56 min
